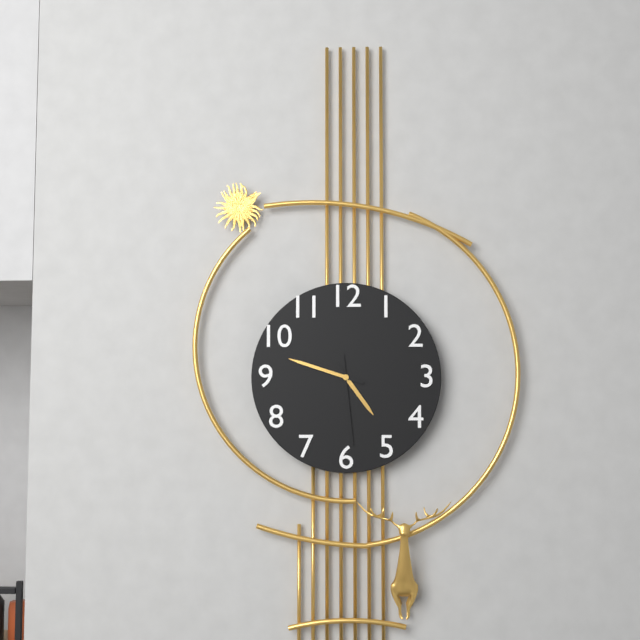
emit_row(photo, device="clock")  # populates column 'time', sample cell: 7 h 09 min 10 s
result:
4 h 48 min 29 s
